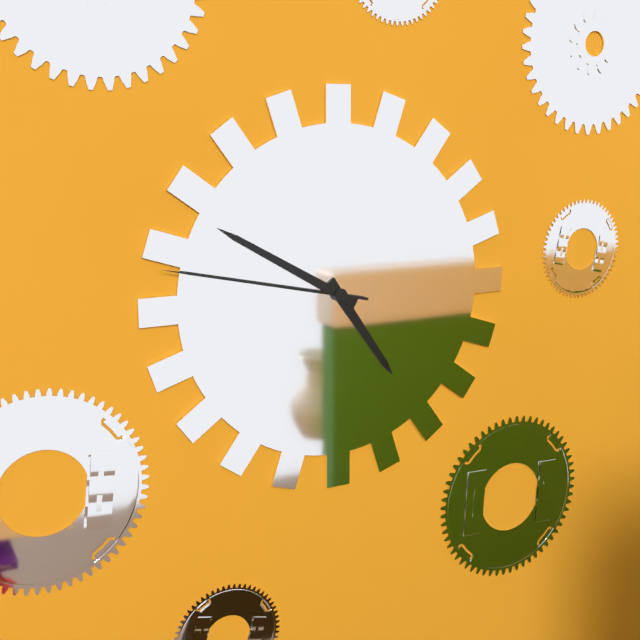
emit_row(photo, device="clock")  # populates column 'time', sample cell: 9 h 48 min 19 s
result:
4 h 50 min 47 s
